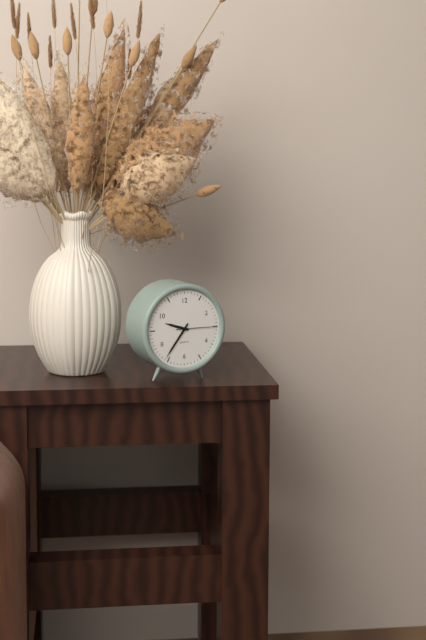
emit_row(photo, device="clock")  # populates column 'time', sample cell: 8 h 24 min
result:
9 h 36 min
